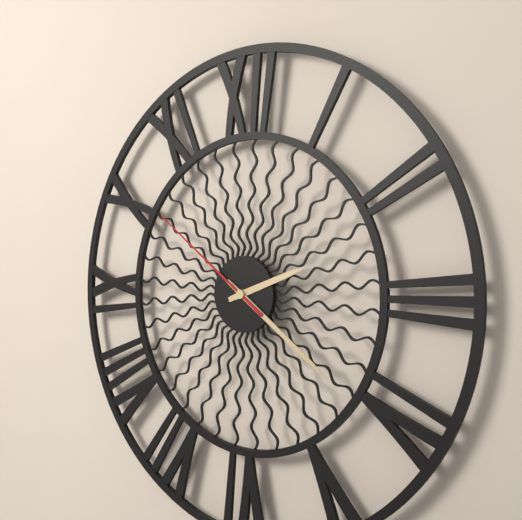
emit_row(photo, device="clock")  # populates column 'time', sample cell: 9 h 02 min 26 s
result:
2 h 21 min 51 s
